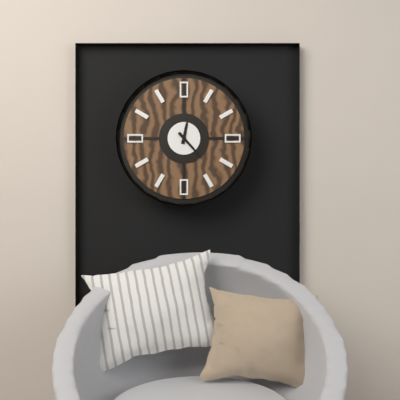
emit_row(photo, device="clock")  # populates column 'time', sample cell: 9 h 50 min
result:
12 h 23 min
